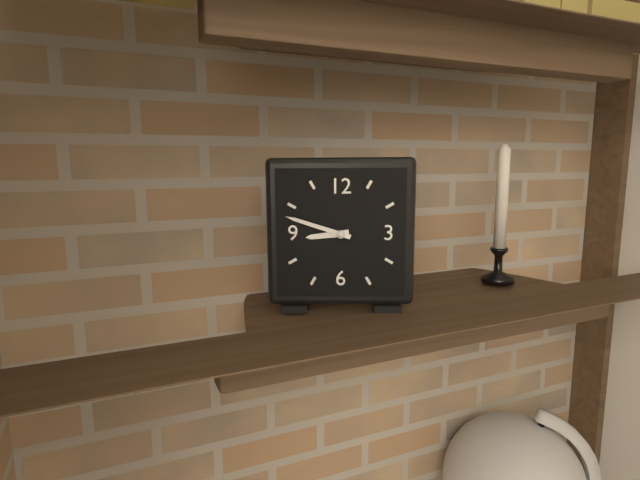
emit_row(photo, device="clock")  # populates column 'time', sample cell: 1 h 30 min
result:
8 h 48 min
